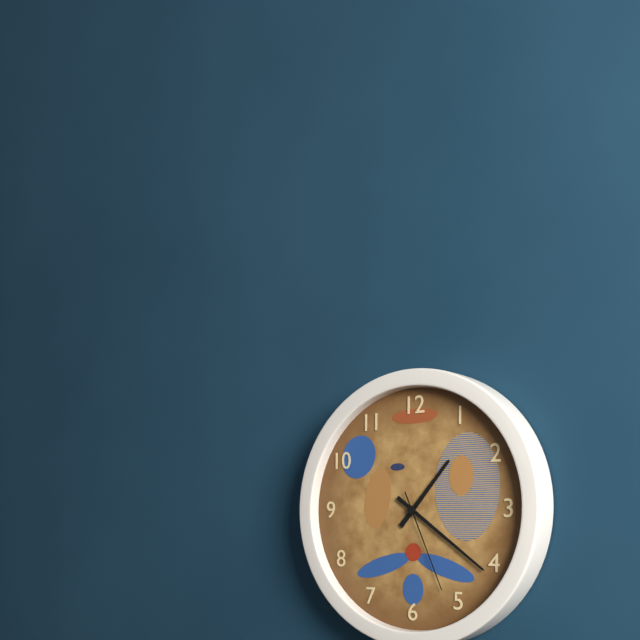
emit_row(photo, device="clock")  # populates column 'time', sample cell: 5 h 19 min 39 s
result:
1 h 21 min 26 s
